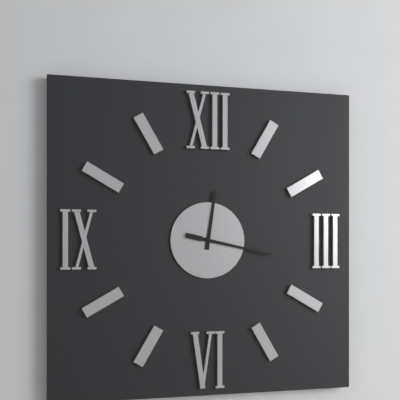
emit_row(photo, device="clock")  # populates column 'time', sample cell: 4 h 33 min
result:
12 h 17 min
